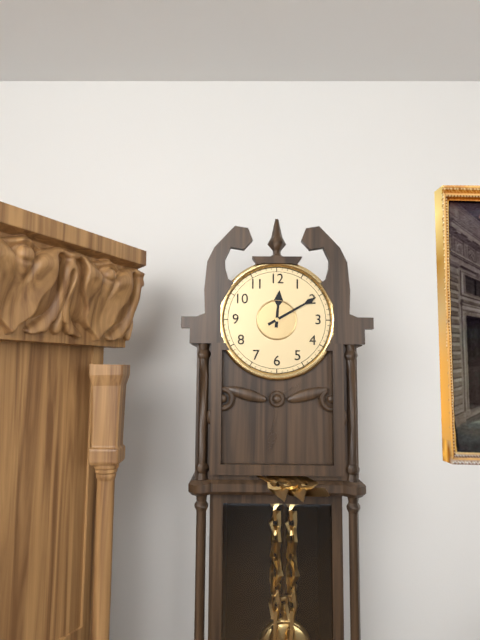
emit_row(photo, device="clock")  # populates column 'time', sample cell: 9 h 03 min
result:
12 h 10 min
